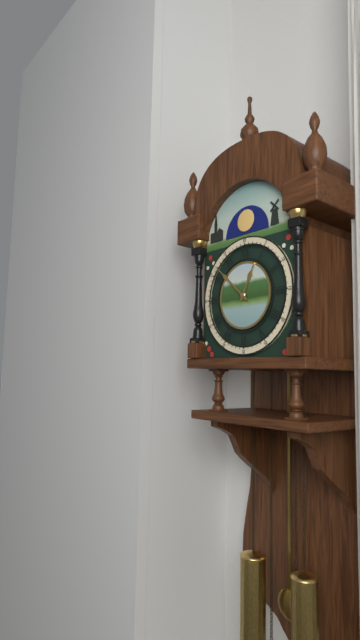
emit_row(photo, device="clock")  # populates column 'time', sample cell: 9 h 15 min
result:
12 h 52 min
